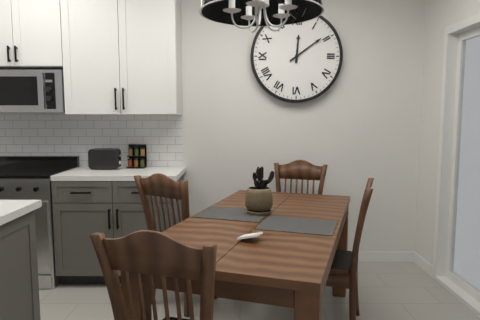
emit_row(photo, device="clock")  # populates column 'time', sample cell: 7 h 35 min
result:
12 h 09 min
